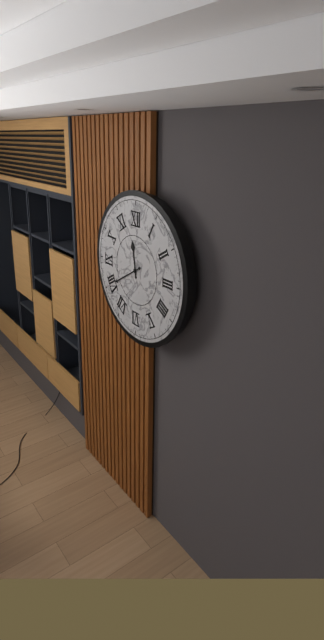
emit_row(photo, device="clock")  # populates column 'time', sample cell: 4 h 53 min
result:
11 h 40 min
